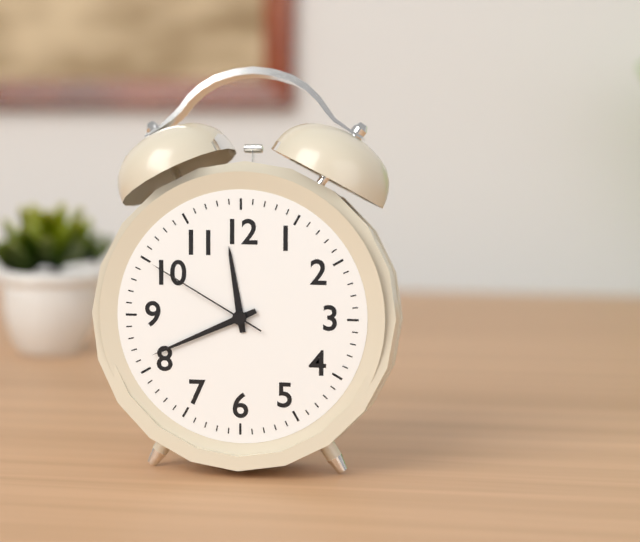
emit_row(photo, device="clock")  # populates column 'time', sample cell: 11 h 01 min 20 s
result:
11 h 41 min 50 s
